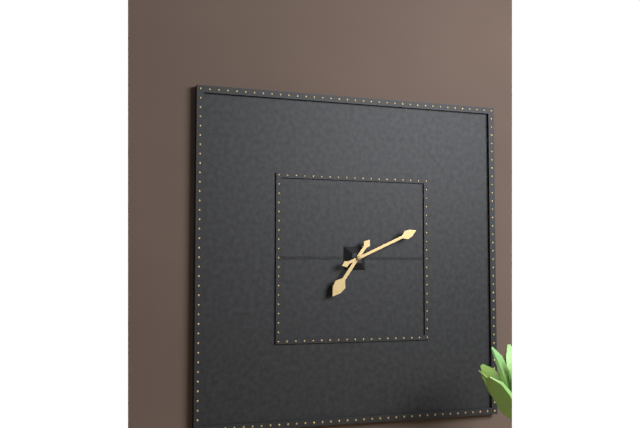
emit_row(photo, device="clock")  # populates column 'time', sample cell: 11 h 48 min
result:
7 h 11 min
